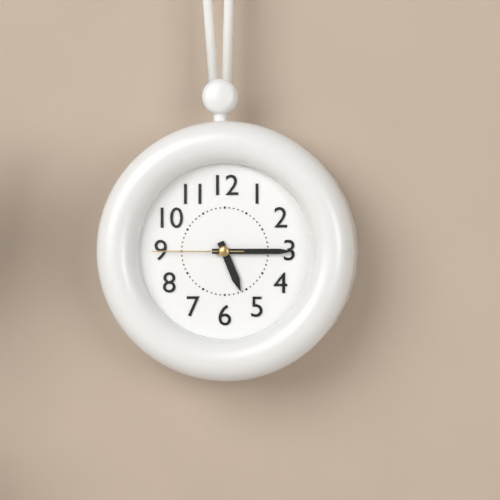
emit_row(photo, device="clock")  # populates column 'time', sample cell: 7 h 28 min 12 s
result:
5 h 15 min 45 s
